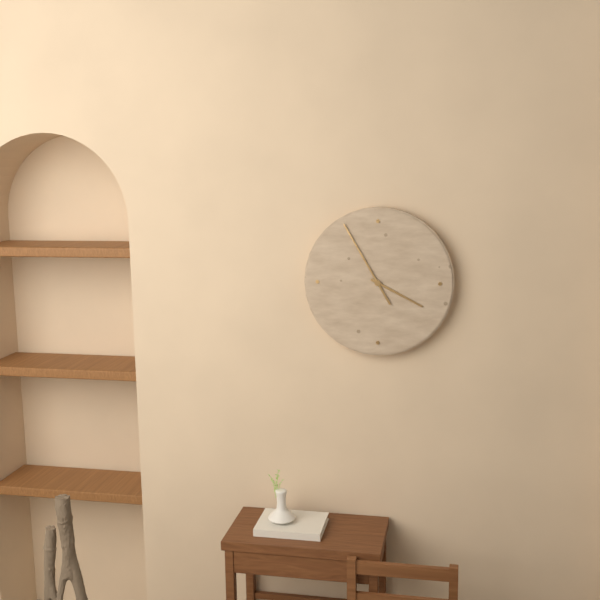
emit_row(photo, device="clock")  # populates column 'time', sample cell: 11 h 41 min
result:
3 h 55 min
